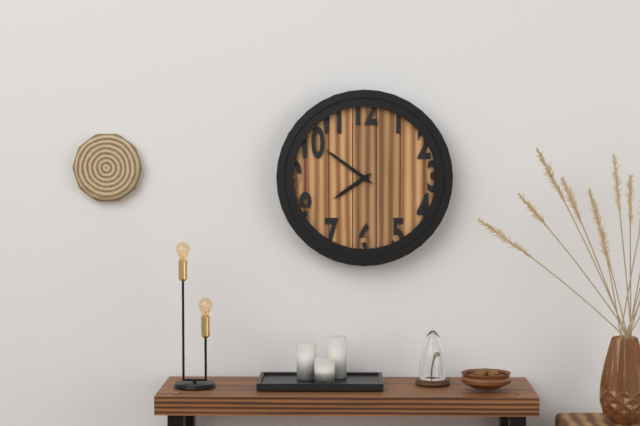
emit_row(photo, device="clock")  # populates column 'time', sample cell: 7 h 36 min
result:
7 h 51 min
